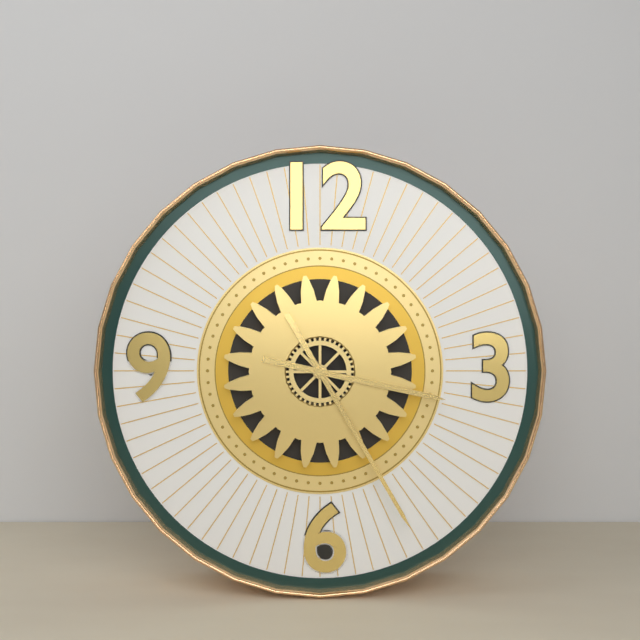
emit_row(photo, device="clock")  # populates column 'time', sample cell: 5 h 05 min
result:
3 h 25 min
